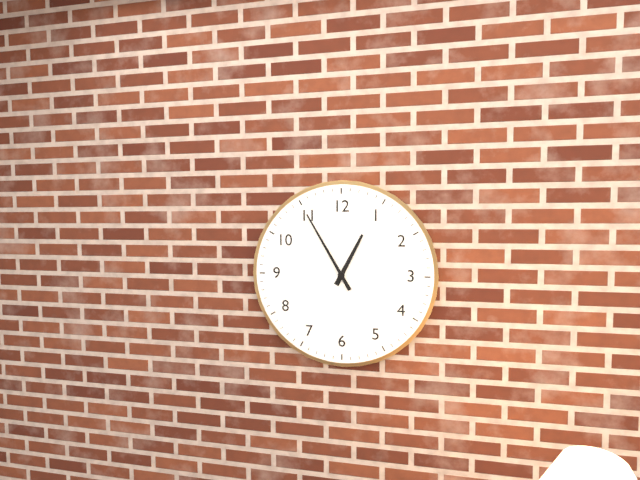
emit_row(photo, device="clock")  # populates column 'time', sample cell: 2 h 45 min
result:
12 h 55 min
